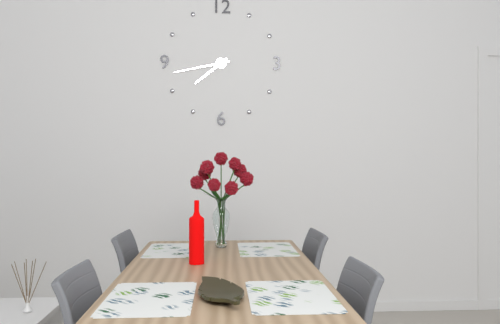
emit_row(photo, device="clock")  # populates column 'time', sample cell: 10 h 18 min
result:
7 h 43 min
